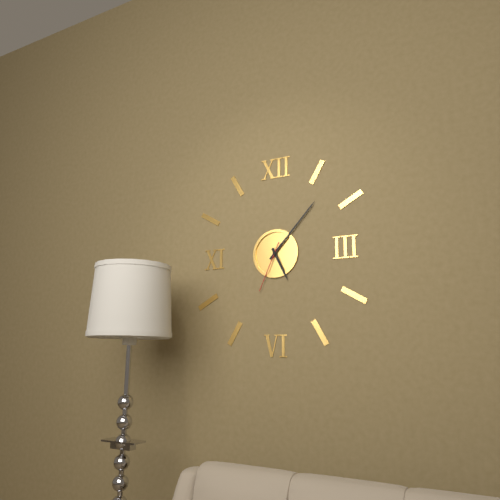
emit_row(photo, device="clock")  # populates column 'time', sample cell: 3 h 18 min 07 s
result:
5 h 07 min 34 s
